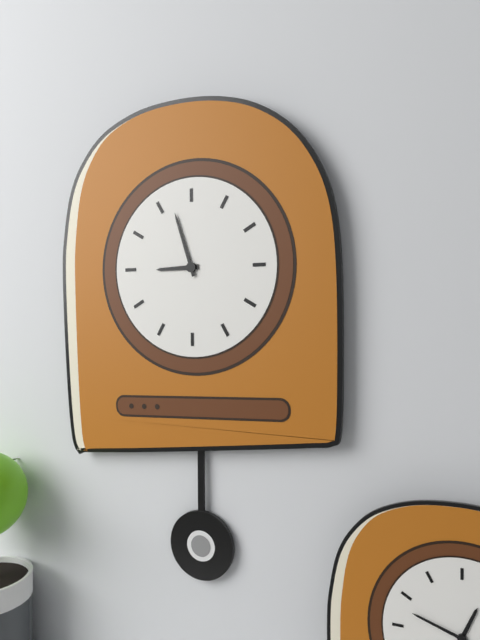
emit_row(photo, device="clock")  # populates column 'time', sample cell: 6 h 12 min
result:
8 h 57 min
